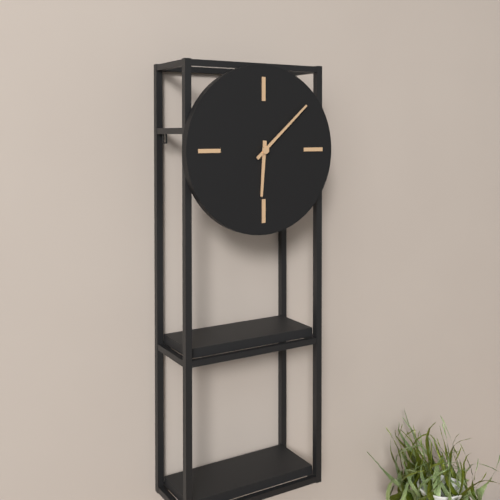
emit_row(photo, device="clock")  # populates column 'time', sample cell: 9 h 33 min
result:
6 h 08 min
